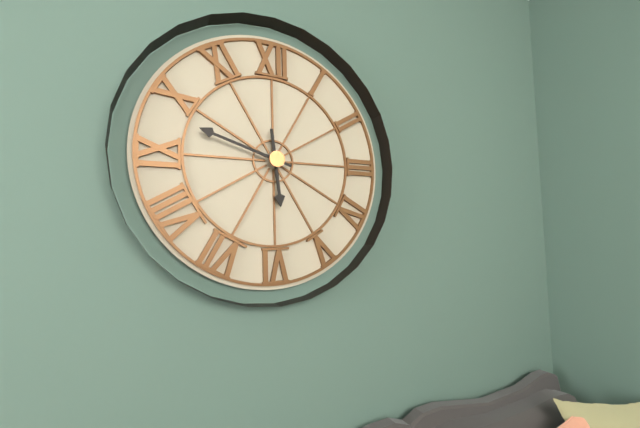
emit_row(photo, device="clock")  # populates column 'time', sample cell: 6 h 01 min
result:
5 h 48 min
